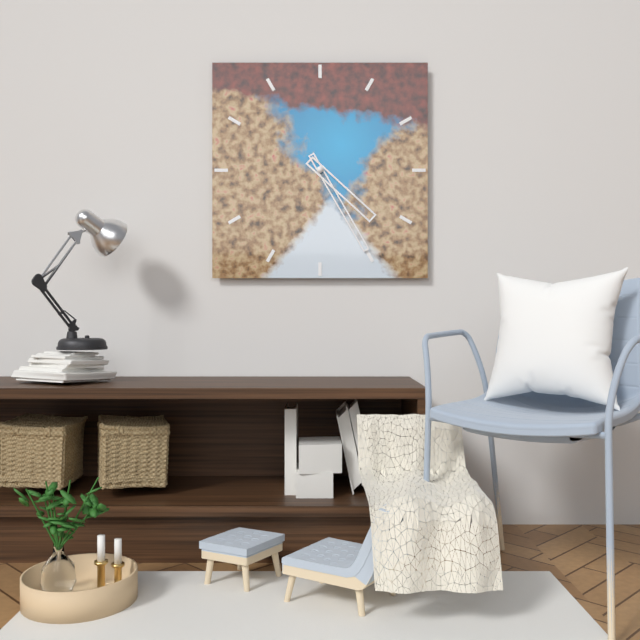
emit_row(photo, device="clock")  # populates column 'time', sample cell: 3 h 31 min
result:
4 h 25 min
